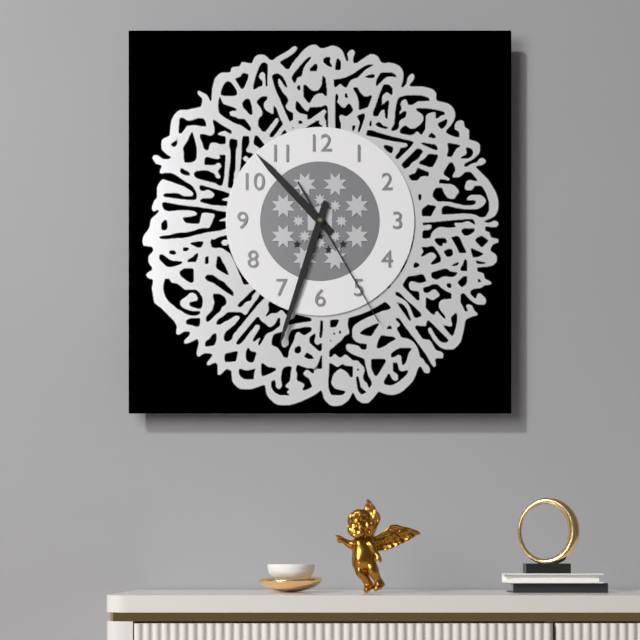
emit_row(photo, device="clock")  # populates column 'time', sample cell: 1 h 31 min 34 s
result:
10 h 33 min 25 s
